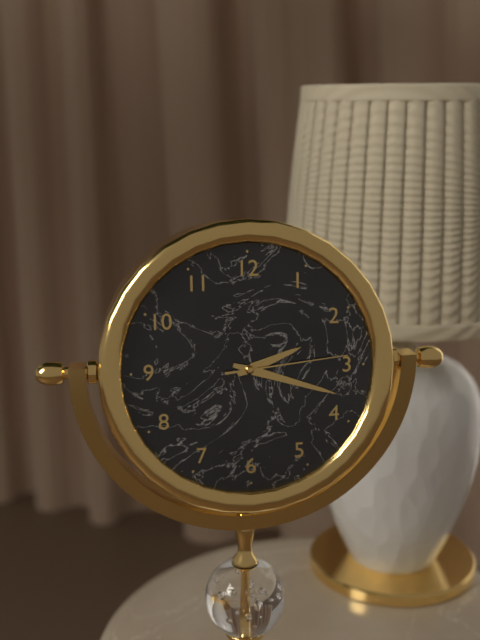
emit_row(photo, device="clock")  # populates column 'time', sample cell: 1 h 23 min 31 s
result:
2 h 18 min 14 s
